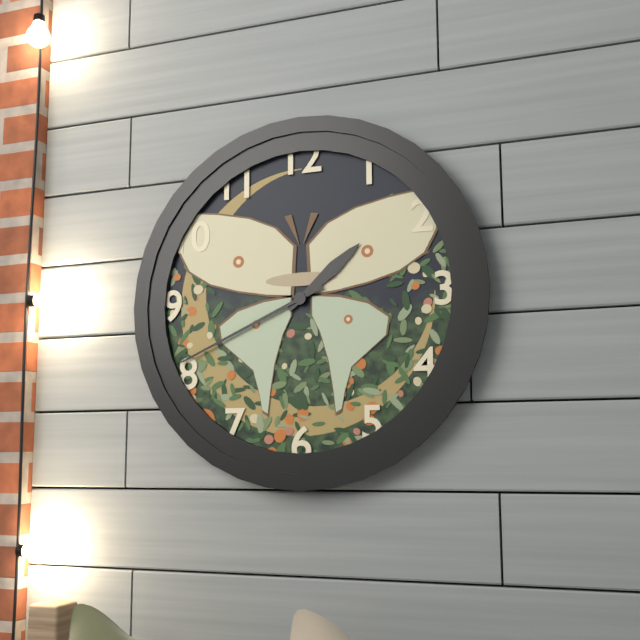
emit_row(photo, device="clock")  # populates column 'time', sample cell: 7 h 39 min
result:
1 h 41 min
